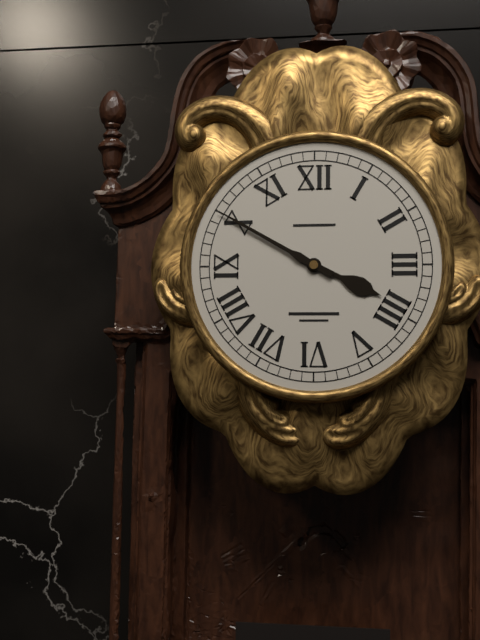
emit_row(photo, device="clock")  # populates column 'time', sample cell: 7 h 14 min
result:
3 h 50 min
